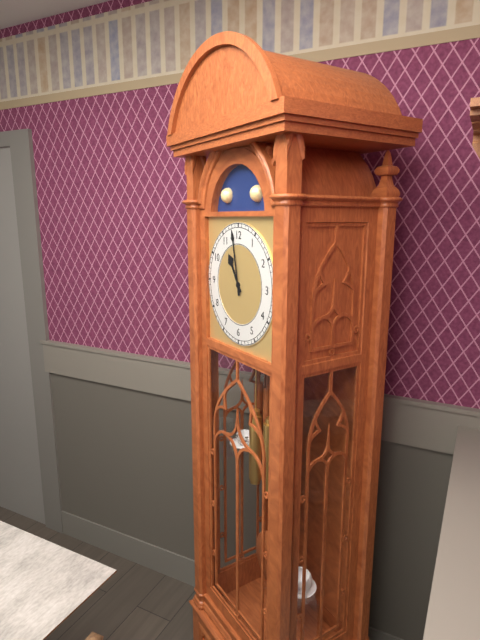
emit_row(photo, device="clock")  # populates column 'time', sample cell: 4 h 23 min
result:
10 h 58 min
